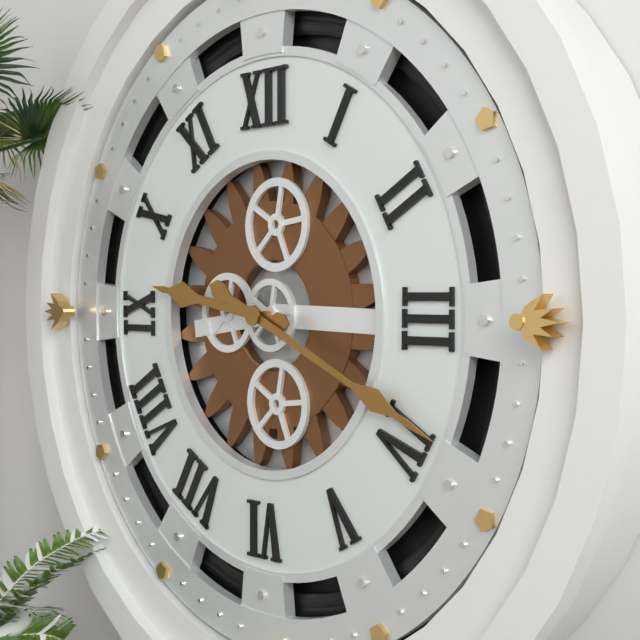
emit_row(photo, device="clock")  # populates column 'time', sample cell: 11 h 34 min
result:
9 h 19 min
